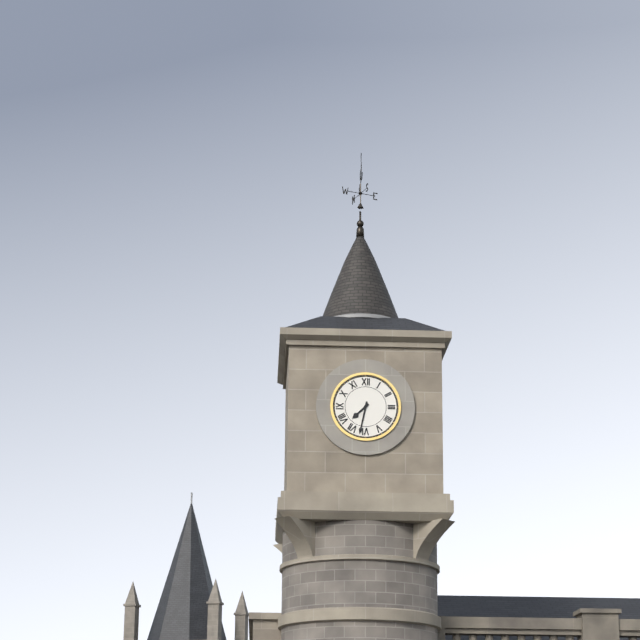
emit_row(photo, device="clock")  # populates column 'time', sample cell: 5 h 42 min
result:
7 h 32 min
